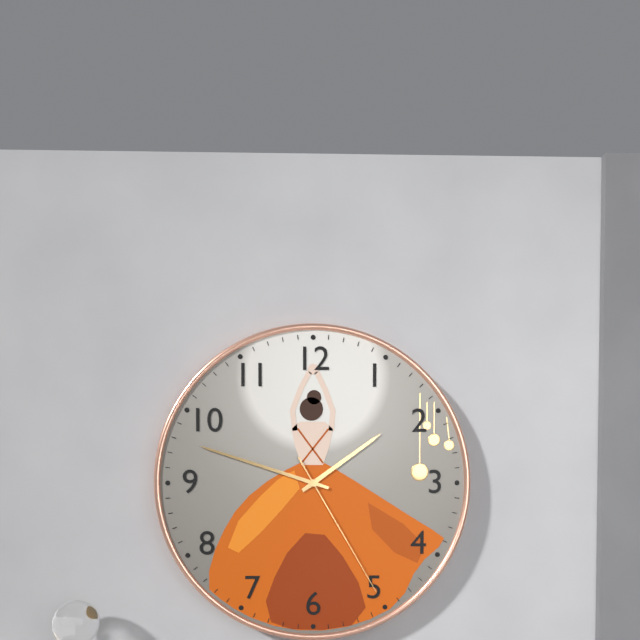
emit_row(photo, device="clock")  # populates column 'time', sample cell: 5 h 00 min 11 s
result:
1 h 48 min 25 s
